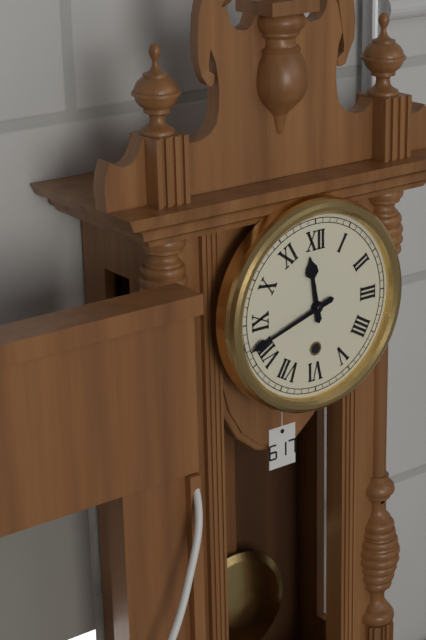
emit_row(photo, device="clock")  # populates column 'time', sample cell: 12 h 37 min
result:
11 h 42 min
